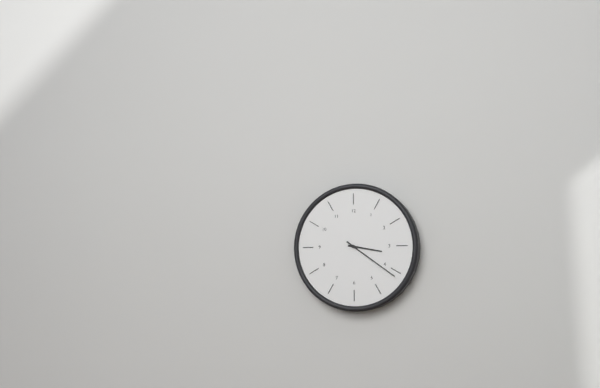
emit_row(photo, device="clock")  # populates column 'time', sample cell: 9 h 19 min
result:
3 h 21 min
